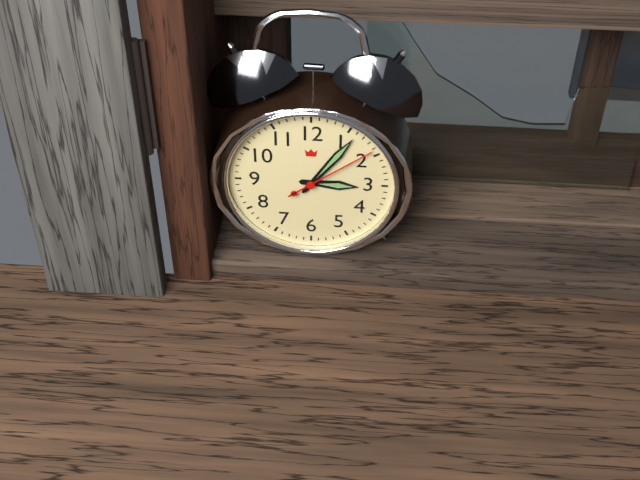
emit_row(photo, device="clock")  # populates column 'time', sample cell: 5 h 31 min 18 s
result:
3 h 06 min 09 s
